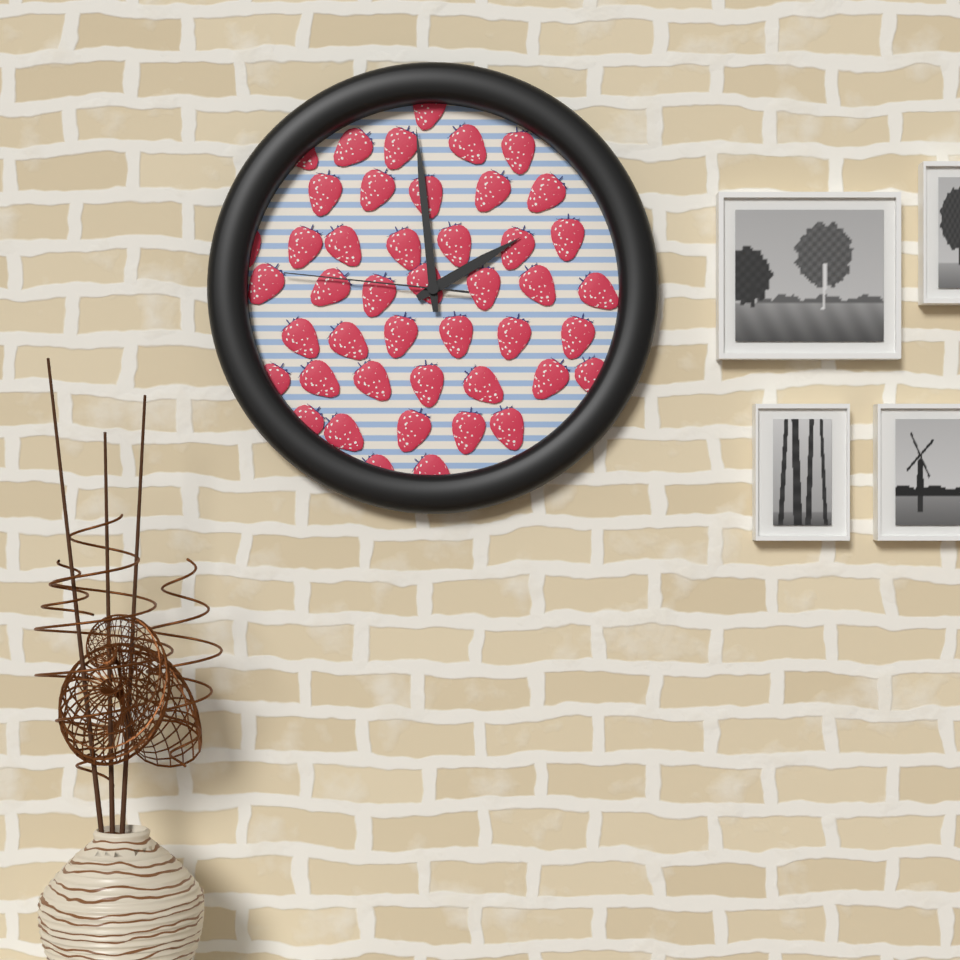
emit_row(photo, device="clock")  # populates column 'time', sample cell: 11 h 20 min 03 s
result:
1 h 59 min 46 s
